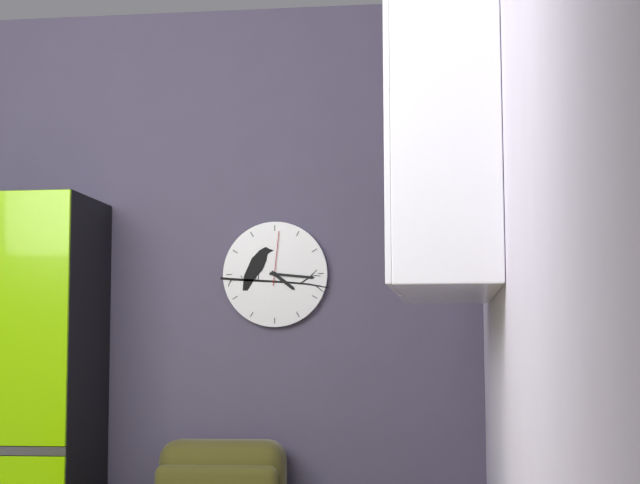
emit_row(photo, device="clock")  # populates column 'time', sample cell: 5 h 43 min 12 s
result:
4 h 16 min 01 s
